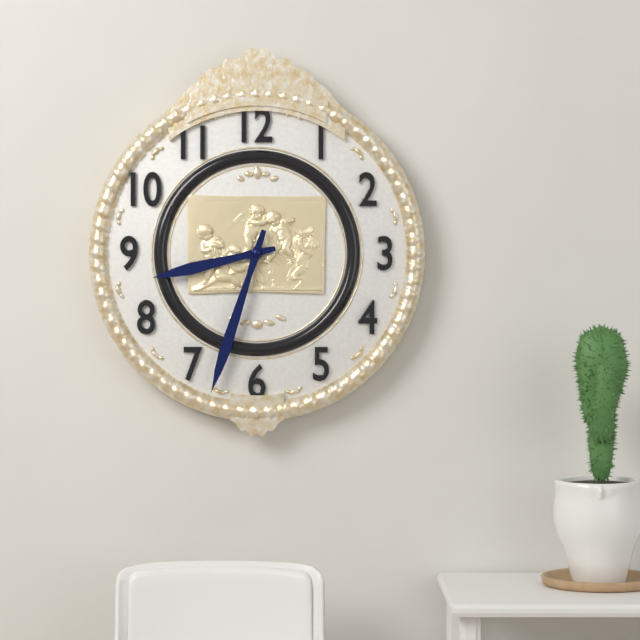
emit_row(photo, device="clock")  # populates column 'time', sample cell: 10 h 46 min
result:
8 h 33 min
